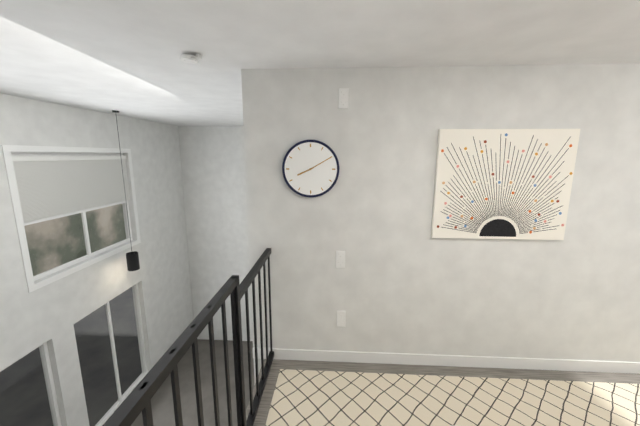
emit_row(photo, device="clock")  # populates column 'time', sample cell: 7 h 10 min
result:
8 h 10 min
